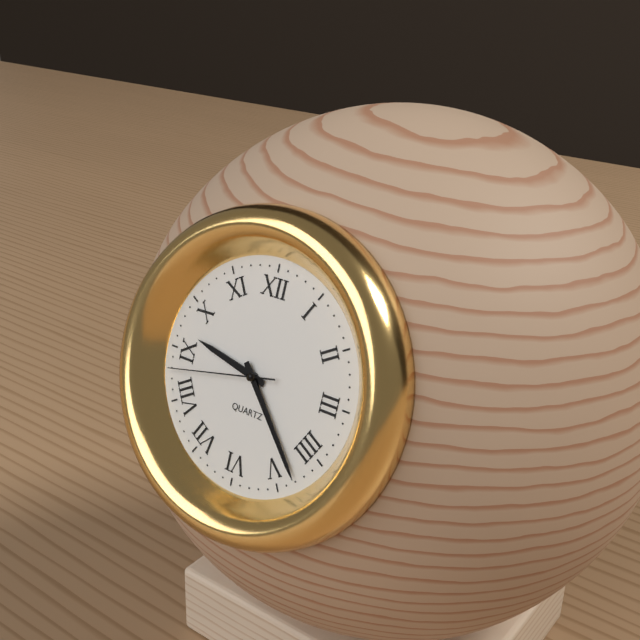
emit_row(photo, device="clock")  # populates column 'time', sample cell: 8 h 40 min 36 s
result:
9 h 23 min 43 s
